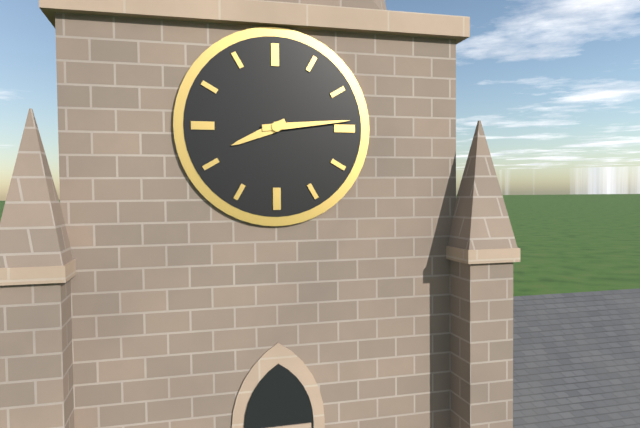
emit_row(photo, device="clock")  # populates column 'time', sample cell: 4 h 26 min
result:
8 h 14 min
